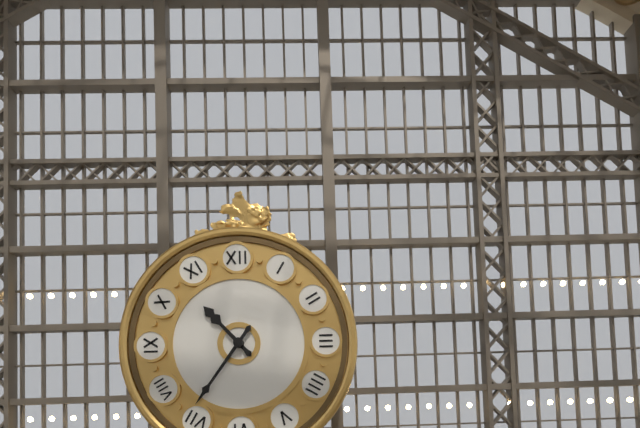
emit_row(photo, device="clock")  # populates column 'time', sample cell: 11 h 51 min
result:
10 h 36 min
